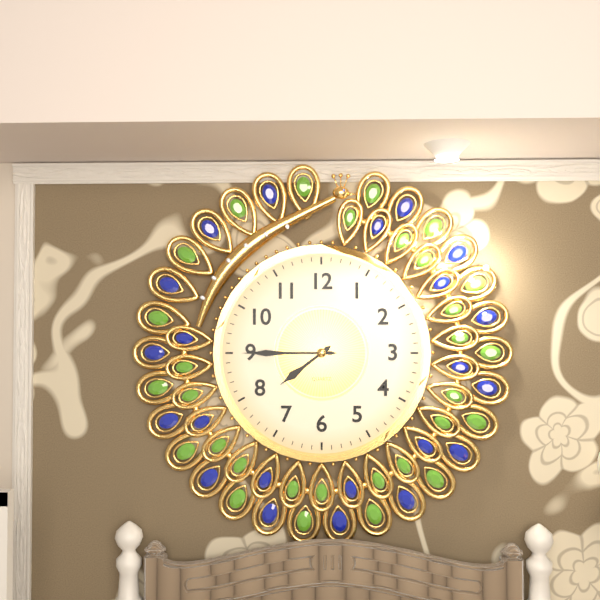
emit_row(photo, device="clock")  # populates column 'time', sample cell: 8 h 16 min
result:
7 h 45 min
